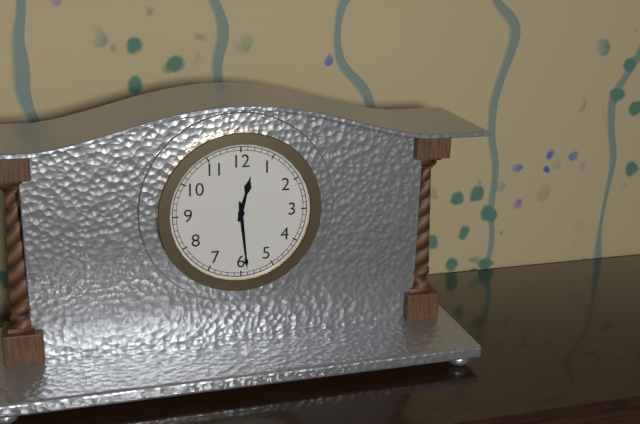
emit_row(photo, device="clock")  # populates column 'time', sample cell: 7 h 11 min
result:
12 h 29 min
